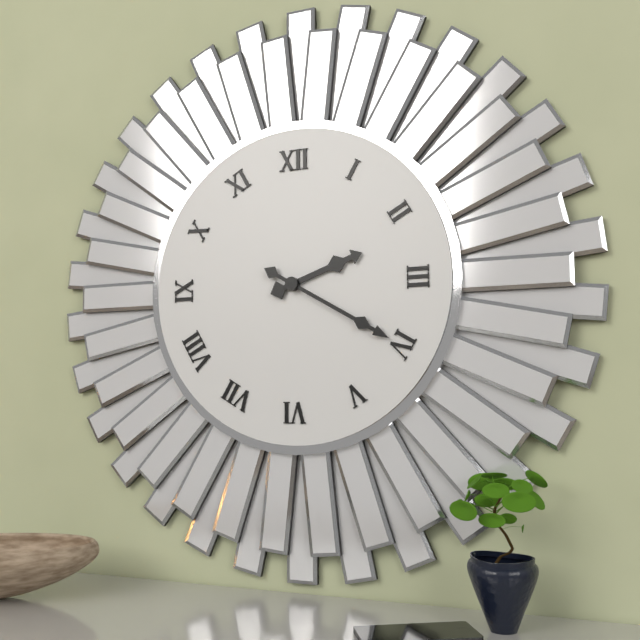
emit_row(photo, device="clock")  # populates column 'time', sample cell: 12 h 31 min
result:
2 h 20 min
